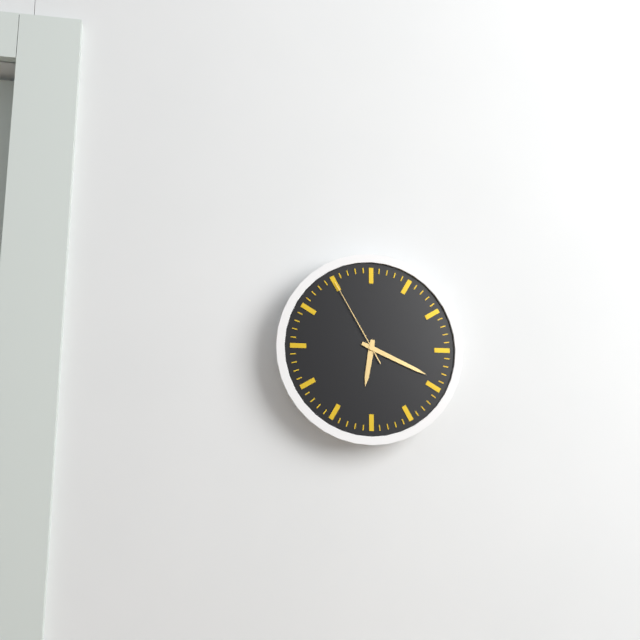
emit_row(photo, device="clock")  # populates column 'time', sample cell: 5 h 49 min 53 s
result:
6 h 19 min 55 s
